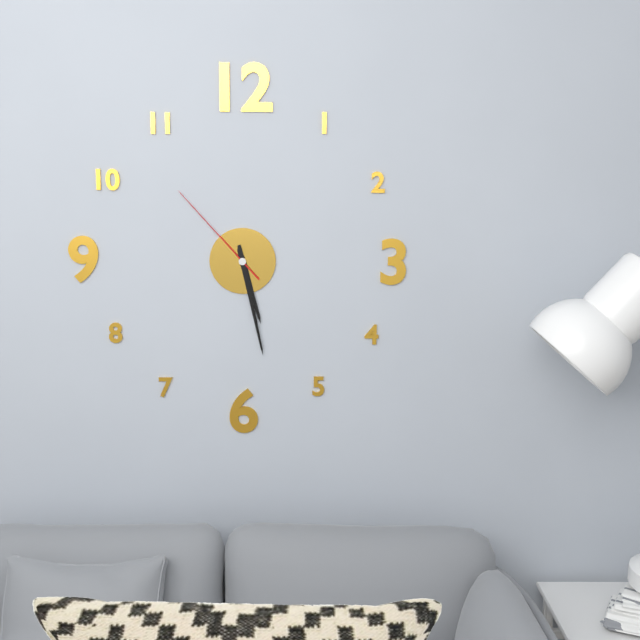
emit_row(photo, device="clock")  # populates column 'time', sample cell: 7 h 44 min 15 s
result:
5 h 28 min 53 s
